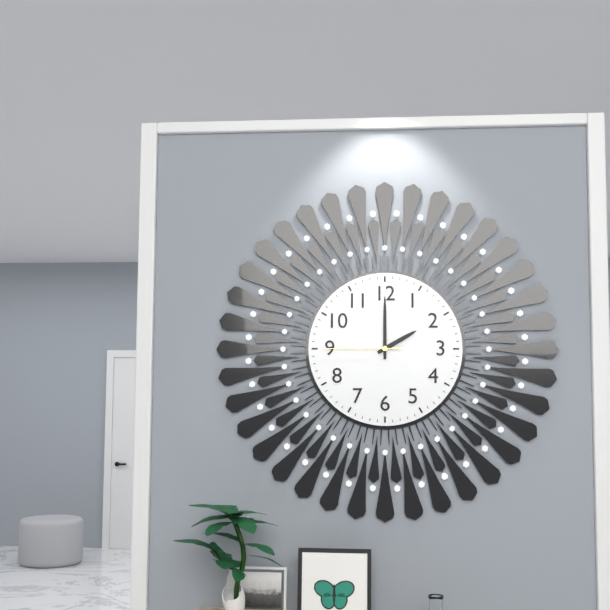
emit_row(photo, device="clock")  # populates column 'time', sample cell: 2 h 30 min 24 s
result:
2 h 00 min 45 s
